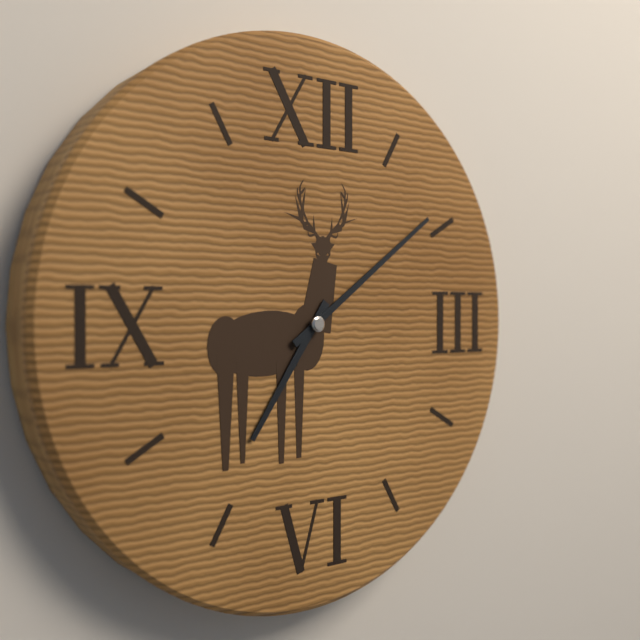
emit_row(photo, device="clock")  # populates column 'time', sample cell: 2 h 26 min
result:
7 h 09 min
